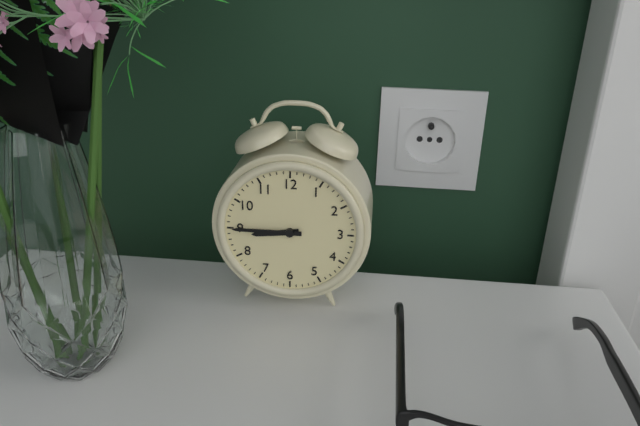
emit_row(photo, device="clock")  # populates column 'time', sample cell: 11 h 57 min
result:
8 h 45 min
